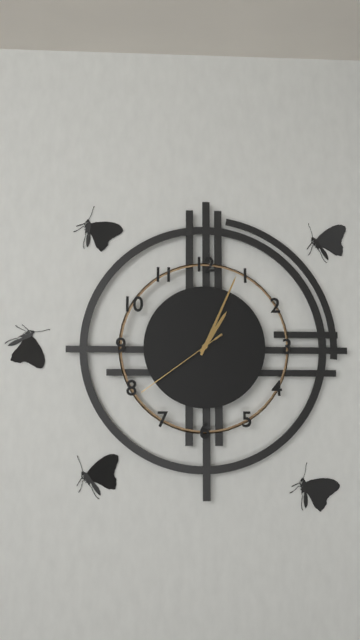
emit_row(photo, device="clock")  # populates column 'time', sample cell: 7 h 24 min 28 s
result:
1 h 04 min 39 s
